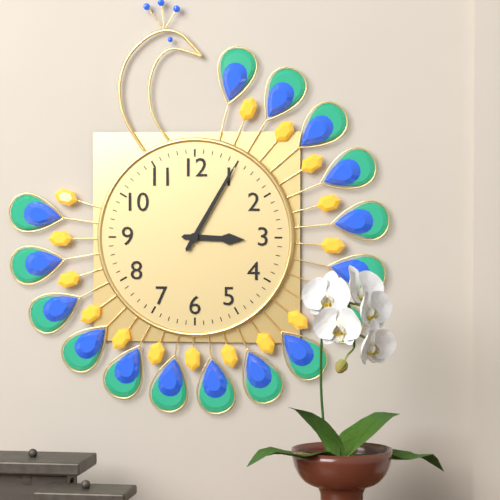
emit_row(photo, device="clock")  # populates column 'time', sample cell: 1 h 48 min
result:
3 h 05 min
